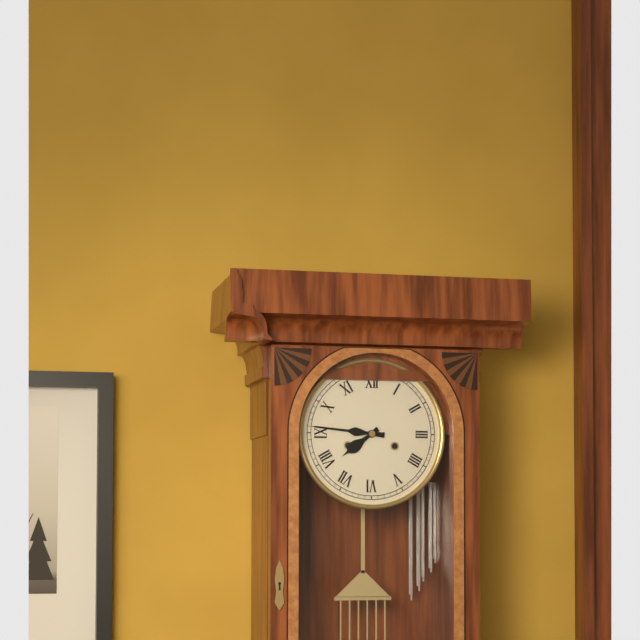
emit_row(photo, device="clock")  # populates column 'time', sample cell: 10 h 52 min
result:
7 h 46 min
